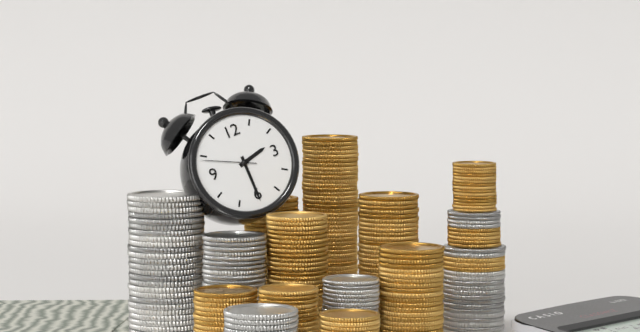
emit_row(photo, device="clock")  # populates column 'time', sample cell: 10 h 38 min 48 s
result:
2 h 30 min 49 s
